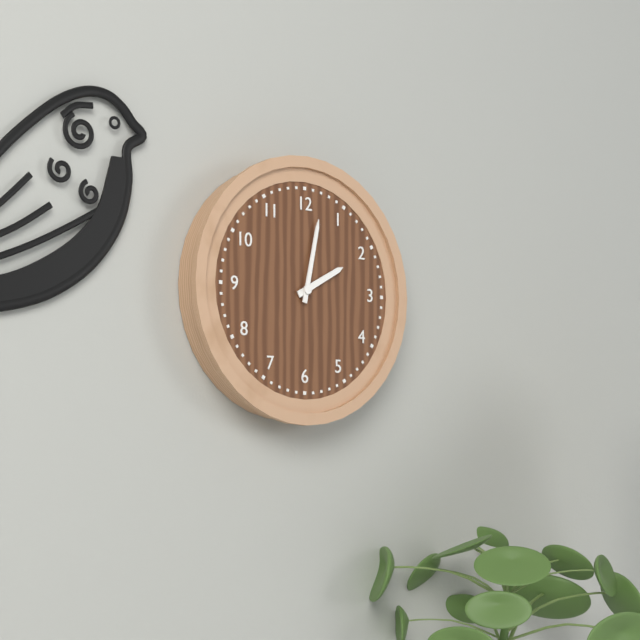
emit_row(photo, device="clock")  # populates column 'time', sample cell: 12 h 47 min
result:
2 h 02 min
